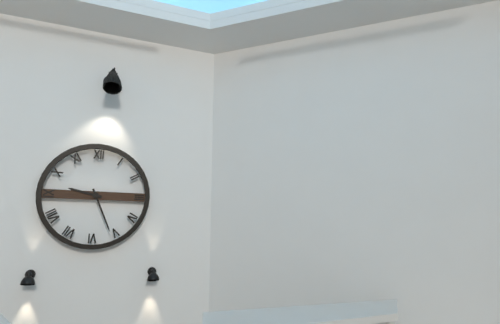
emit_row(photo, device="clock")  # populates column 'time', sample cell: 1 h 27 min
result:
9 h 26 min
